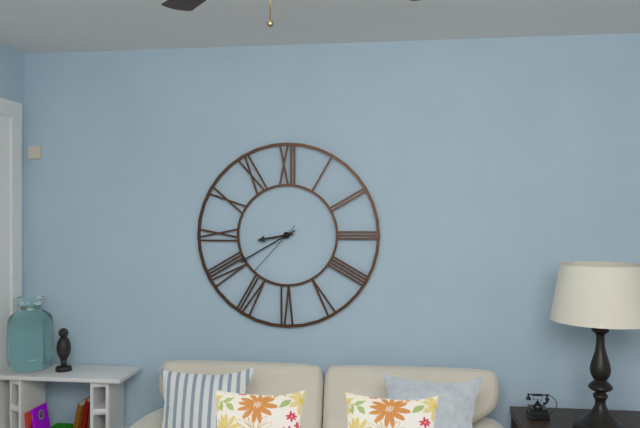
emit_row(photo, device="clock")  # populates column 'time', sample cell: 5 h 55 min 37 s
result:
8 h 40 min 37 s
